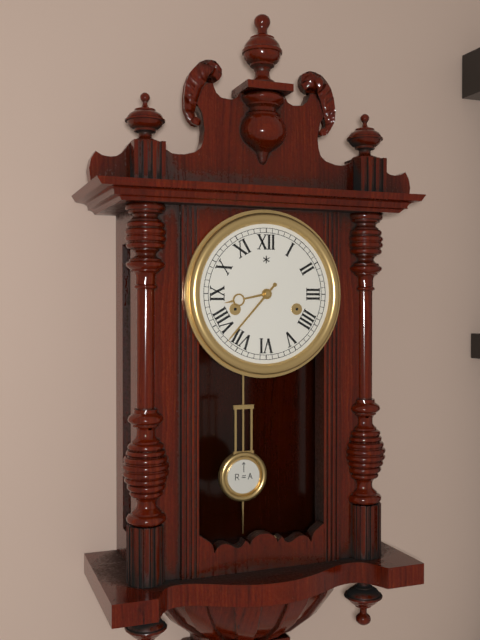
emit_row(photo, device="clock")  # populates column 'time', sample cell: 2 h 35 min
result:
8 h 37 min
